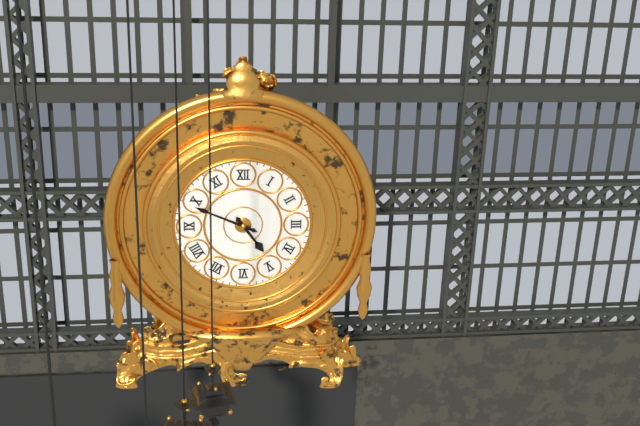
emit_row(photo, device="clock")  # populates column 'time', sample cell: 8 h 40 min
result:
4 h 49 min
